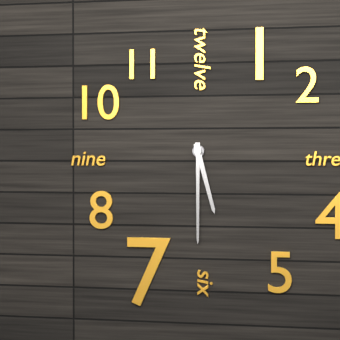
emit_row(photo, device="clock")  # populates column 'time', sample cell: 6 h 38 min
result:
5 h 30 min
